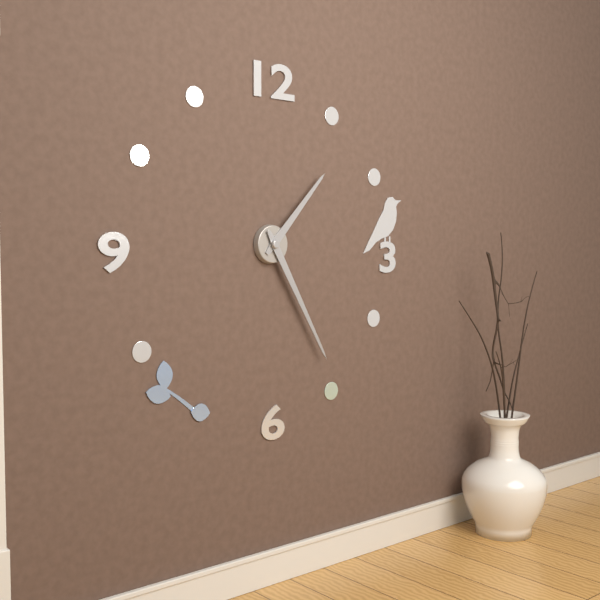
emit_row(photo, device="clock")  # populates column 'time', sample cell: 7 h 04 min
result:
1 h 25 min
